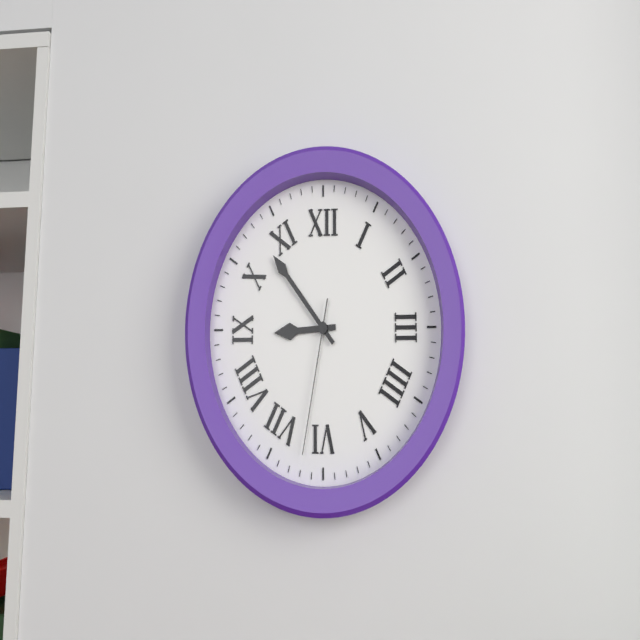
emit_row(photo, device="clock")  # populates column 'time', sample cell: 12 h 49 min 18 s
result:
8 h 53 min 32 s
